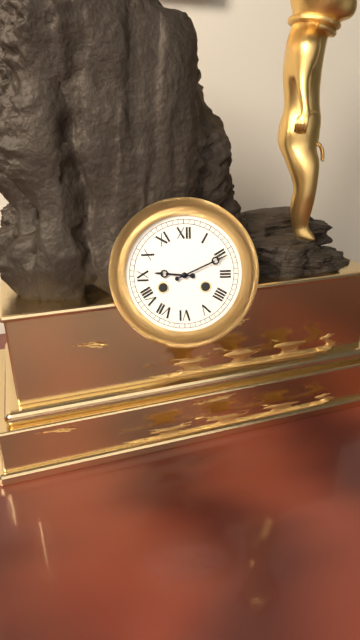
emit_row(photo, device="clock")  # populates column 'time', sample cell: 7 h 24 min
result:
9 h 11 min
